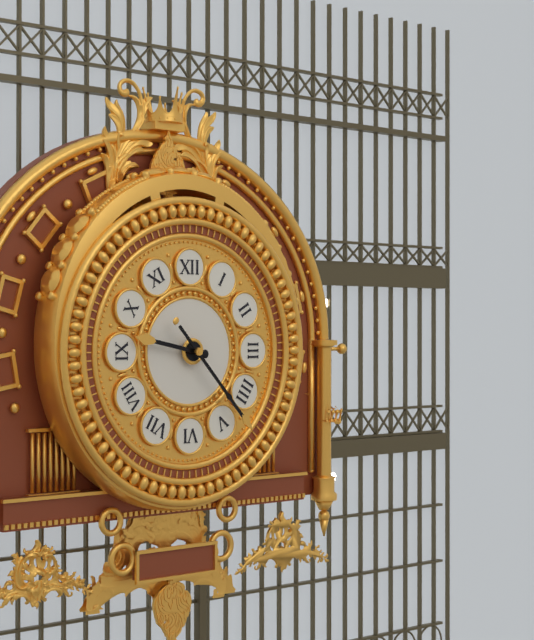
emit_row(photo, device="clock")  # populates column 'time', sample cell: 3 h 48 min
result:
9 h 23 min
